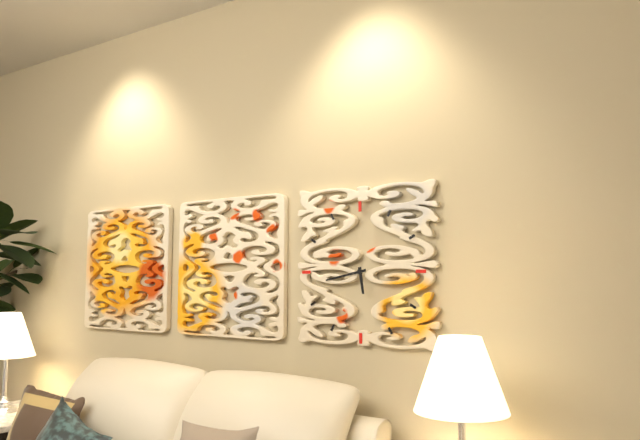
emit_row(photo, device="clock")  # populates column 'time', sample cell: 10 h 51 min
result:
5 h 43 min
